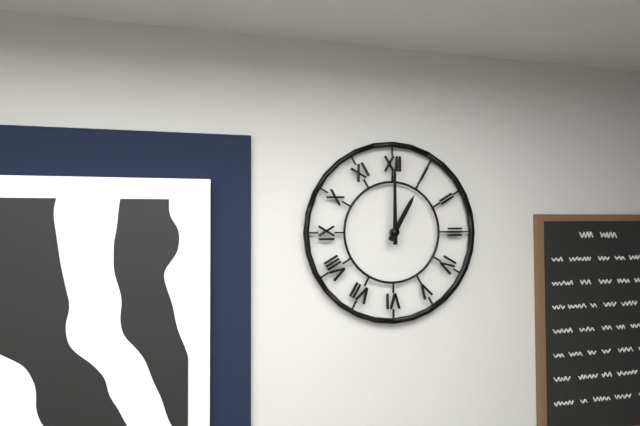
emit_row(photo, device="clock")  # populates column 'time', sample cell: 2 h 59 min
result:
1 h 00 min
